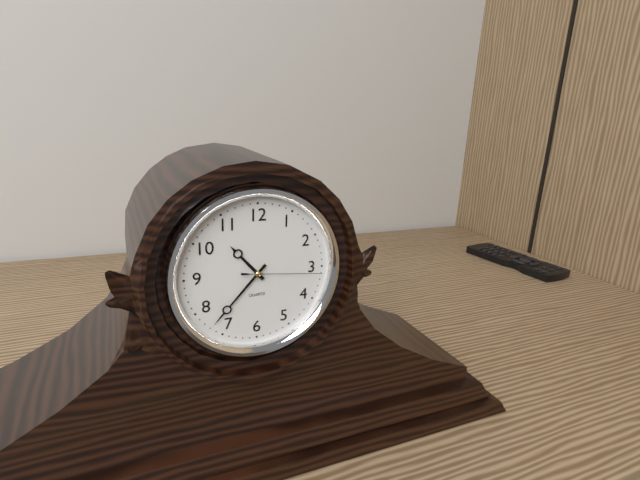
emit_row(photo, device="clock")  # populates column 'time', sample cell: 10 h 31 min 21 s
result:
10 h 37 min 16 s
